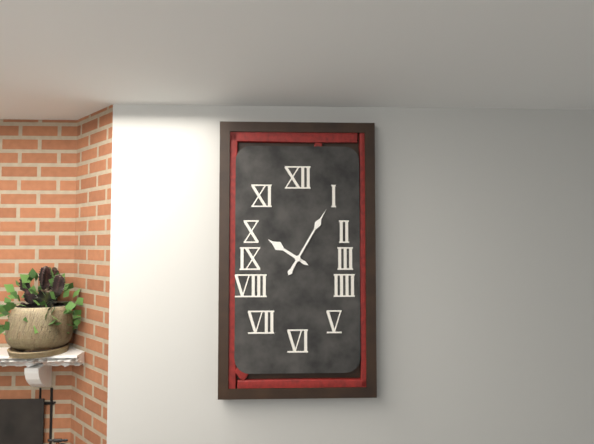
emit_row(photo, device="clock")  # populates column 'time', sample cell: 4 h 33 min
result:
10 h 05 min
